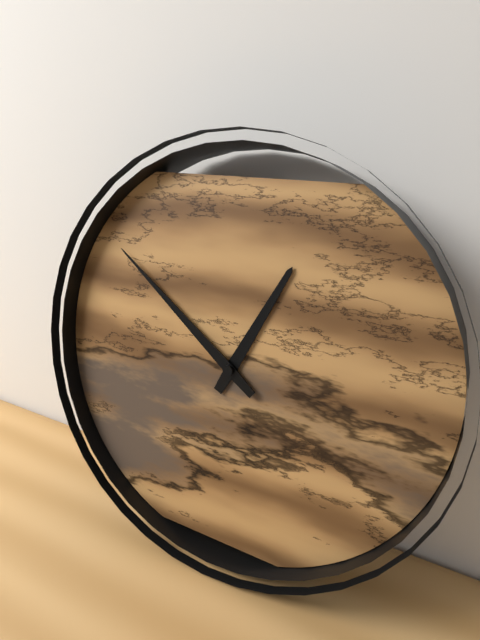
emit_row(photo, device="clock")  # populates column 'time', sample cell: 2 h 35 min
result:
12 h 51 min
